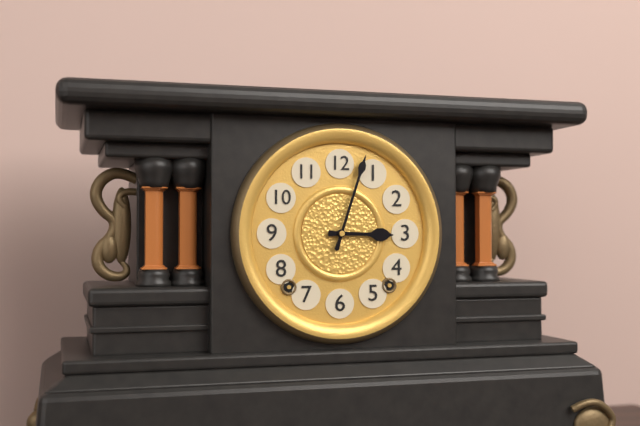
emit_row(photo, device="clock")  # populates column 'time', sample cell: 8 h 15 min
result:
3 h 03 min
